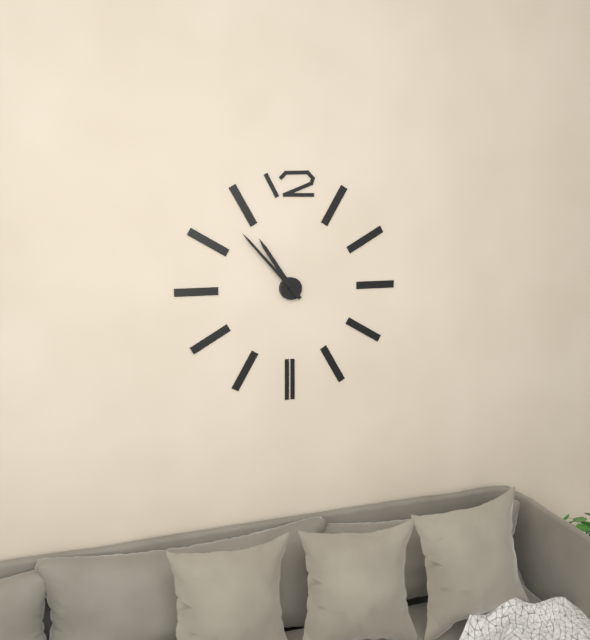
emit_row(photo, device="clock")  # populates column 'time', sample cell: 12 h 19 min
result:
10 h 53 min
